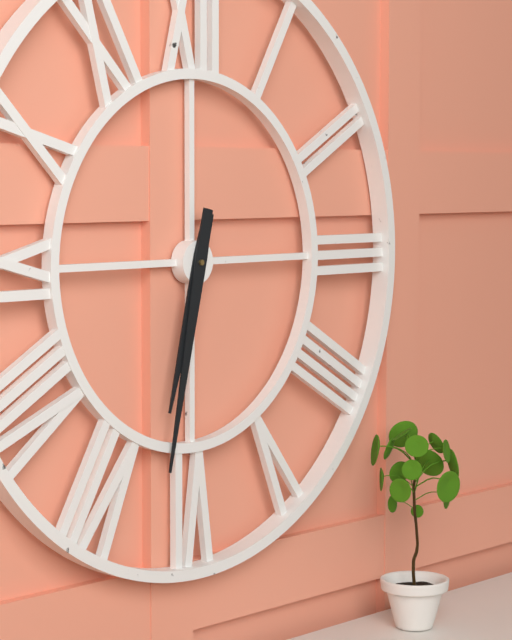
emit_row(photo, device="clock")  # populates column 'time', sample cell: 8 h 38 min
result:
6 h 32 min
